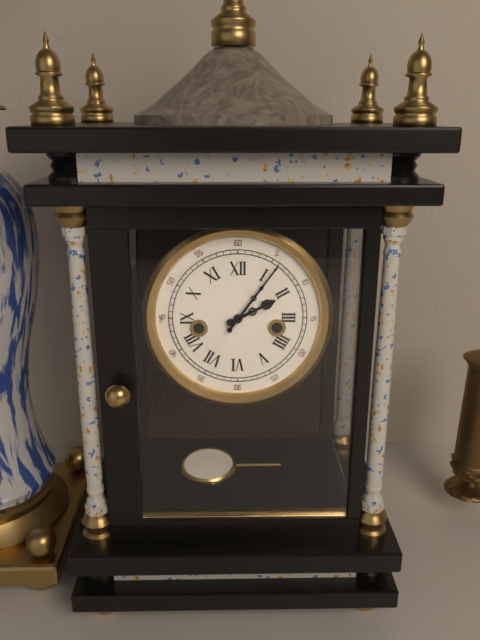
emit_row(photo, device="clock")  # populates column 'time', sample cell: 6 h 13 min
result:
2 h 06 min
